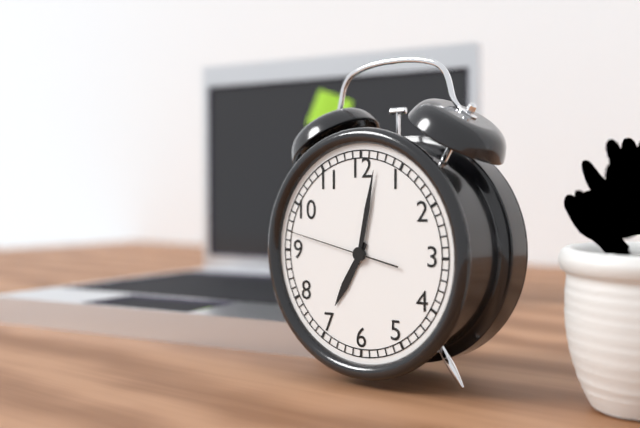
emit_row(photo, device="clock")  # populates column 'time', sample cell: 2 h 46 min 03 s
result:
7 h 02 min 47 s
